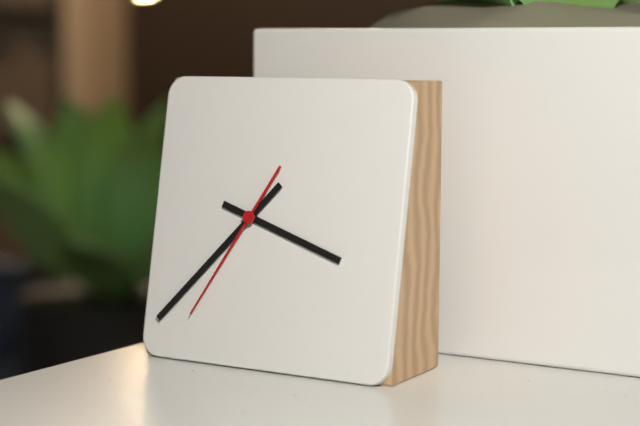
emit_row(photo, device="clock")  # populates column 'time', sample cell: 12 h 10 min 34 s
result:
3 h 37 min 35 s
